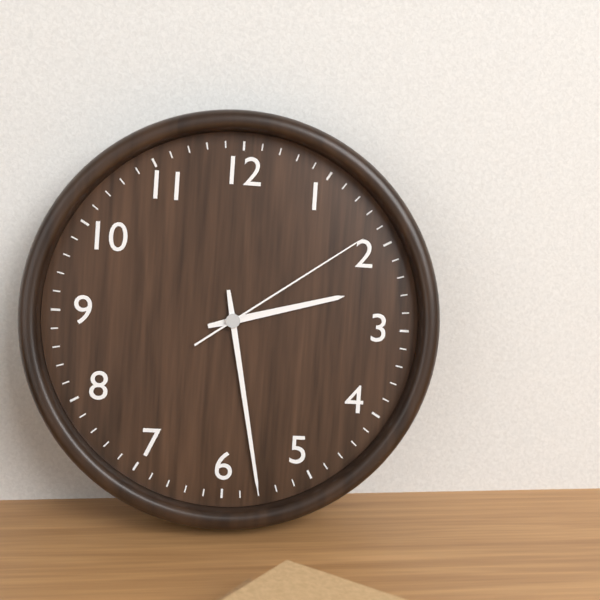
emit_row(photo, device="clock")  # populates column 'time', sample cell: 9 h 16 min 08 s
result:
2 h 28 min 09 s
